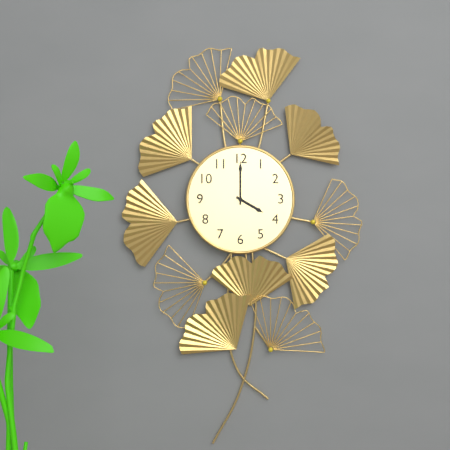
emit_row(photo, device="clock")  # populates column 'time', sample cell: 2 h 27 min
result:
4 h 00 min
